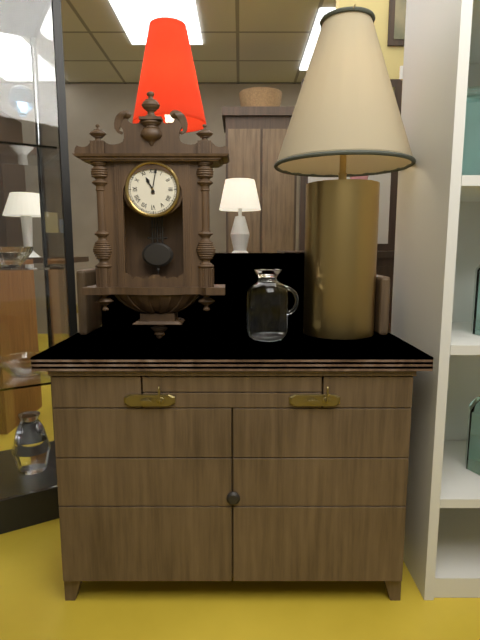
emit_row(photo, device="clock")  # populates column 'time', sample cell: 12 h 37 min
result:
11 h 02 min
